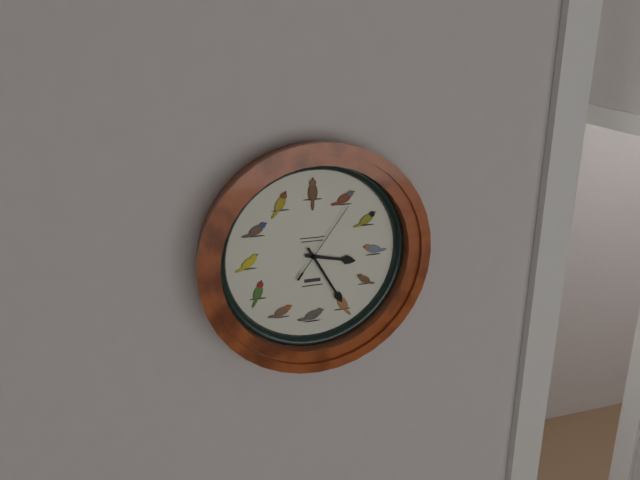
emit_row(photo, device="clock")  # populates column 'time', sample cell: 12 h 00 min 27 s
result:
3 h 25 min 06 s
